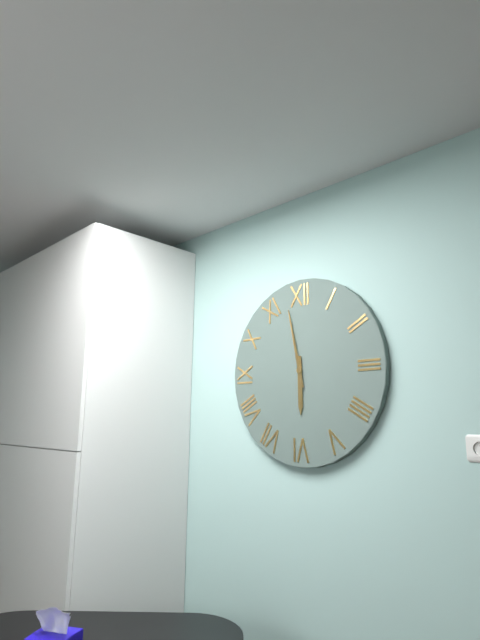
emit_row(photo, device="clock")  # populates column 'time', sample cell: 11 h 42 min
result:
5 h 58 min
